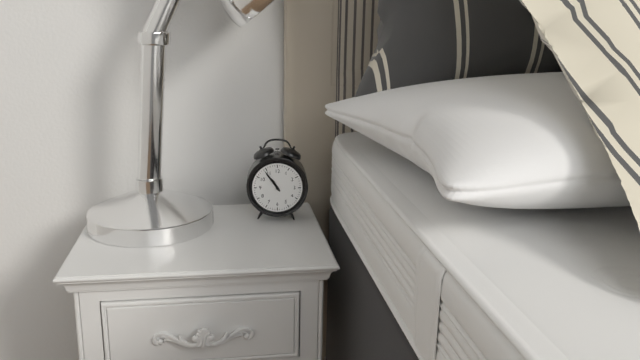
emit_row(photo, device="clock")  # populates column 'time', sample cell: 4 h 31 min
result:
10 h 54 min
